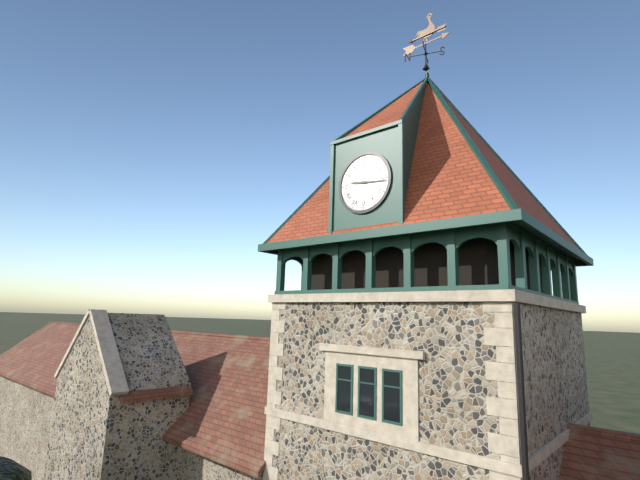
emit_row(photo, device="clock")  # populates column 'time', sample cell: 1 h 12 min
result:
9 h 16 min
